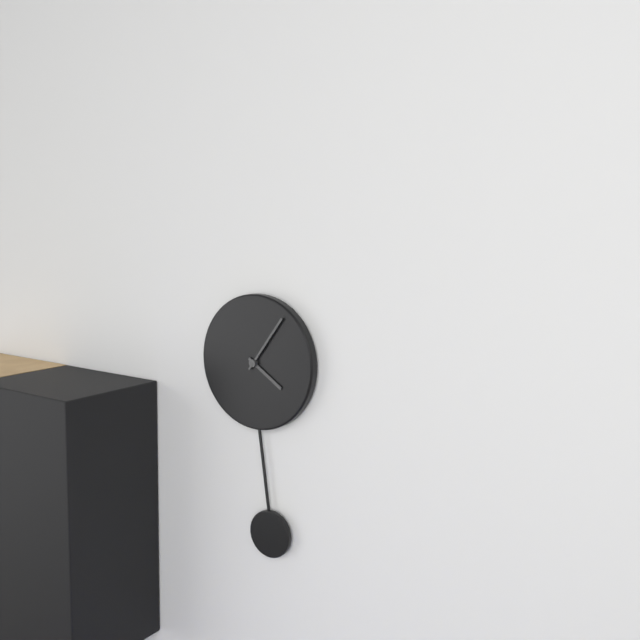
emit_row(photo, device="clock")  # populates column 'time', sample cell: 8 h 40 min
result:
4 h 06 min
